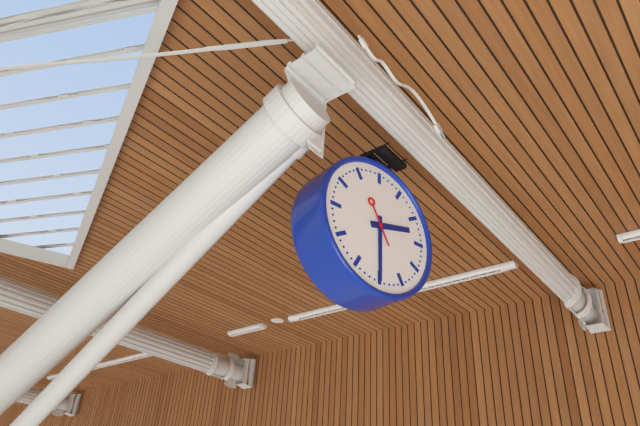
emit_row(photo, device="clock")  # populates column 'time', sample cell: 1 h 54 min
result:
2 h 30 min
